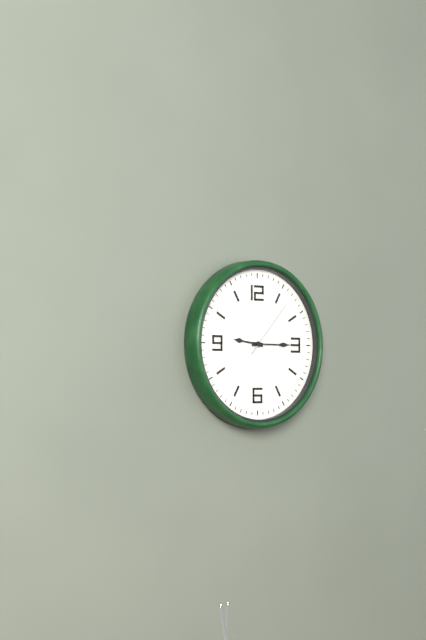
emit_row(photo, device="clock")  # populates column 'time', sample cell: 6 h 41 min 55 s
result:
9 h 15 min 07 s
